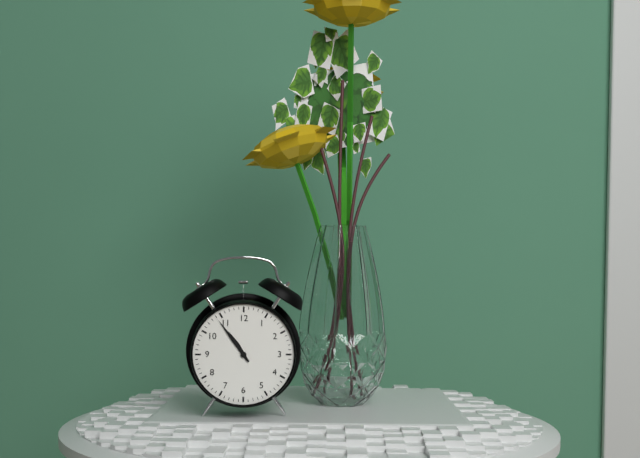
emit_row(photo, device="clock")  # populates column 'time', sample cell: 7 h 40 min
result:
10 h 54 min
